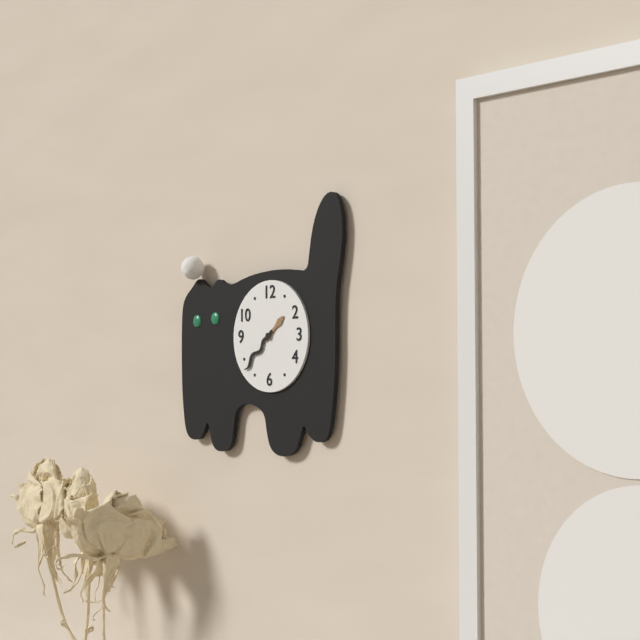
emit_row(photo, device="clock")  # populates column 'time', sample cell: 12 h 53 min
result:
1 h 38 min
